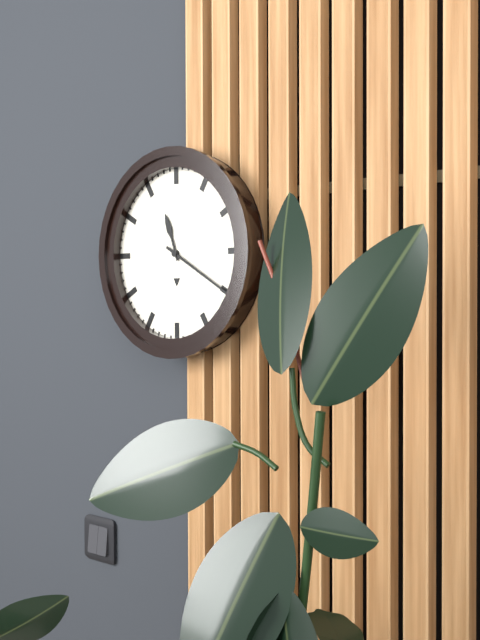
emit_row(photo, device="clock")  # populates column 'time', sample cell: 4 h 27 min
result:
11 h 20 min
